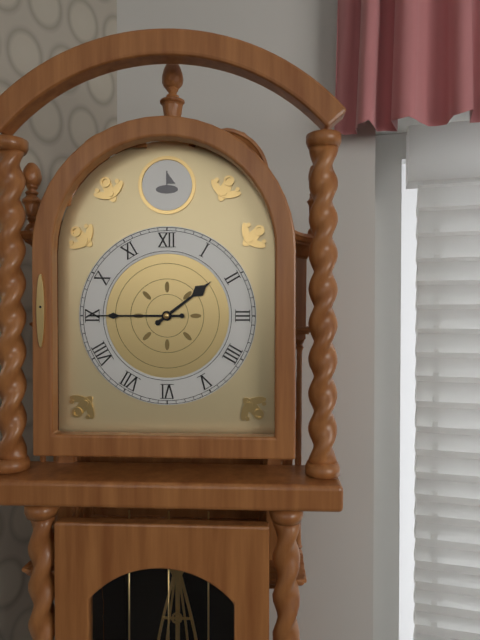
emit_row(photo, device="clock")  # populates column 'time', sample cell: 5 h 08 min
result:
1 h 45 min
